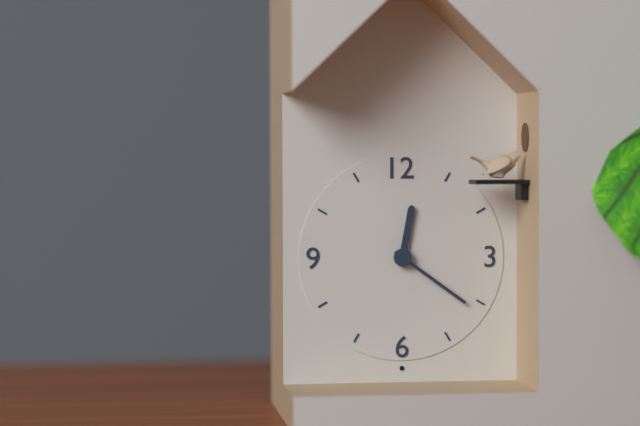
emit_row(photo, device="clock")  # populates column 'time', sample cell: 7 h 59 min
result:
12 h 21 min
